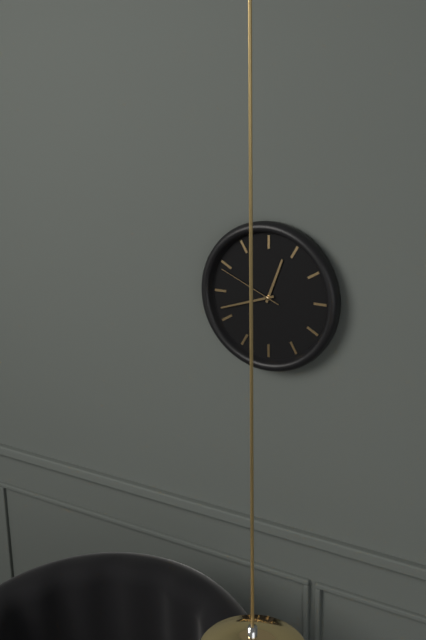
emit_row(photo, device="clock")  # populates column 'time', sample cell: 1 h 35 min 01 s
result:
12 h 42 min 49 s
